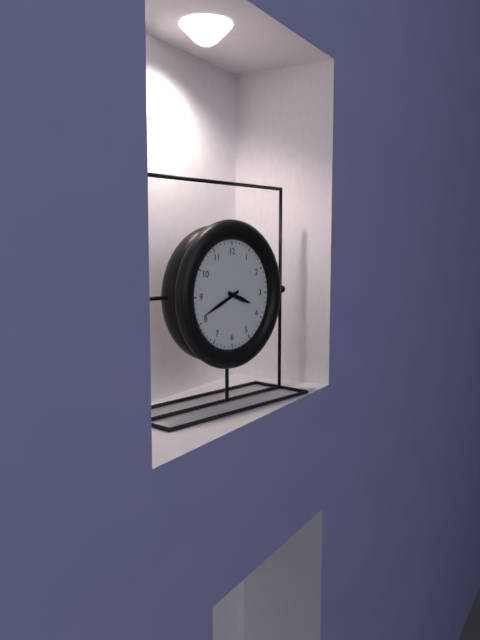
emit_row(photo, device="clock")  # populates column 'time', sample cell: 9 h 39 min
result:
3 h 41 min
